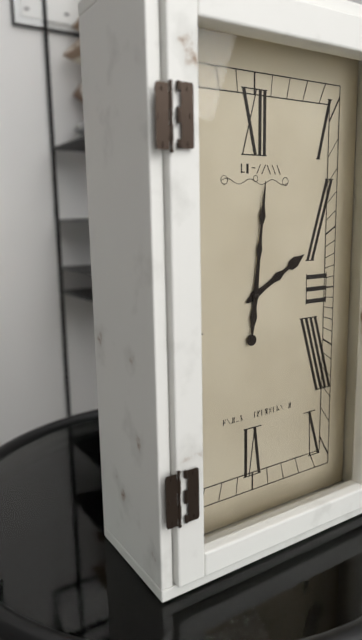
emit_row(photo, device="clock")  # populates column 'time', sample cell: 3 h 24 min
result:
2 h 01 min
